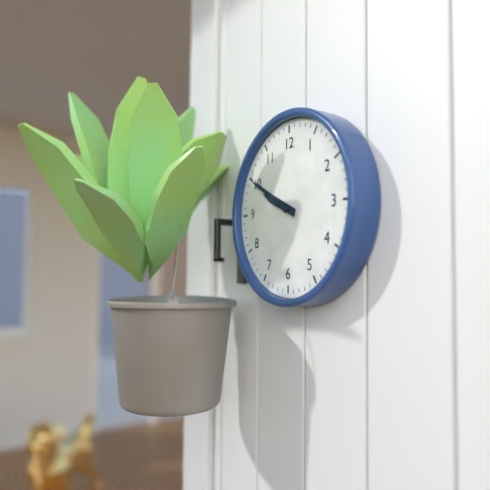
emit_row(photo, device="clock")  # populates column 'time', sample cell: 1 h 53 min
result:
9 h 50 min
